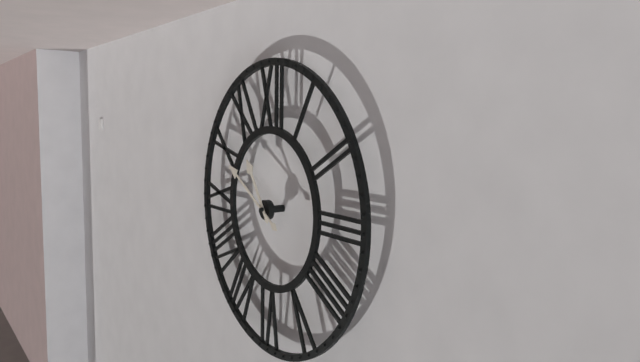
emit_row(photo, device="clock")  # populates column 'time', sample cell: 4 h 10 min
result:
10 h 50 min
